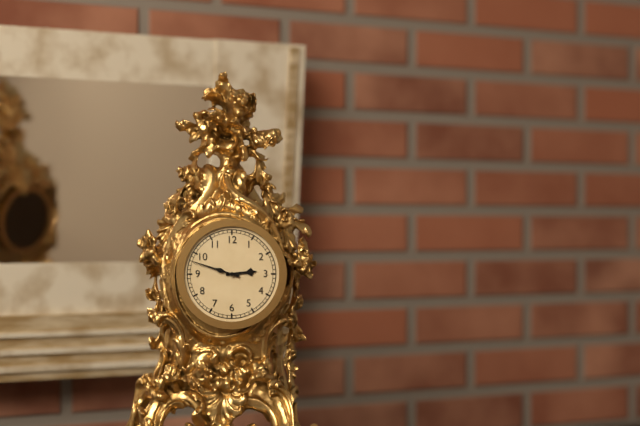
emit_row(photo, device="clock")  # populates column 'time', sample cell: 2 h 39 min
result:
2 h 48 min
